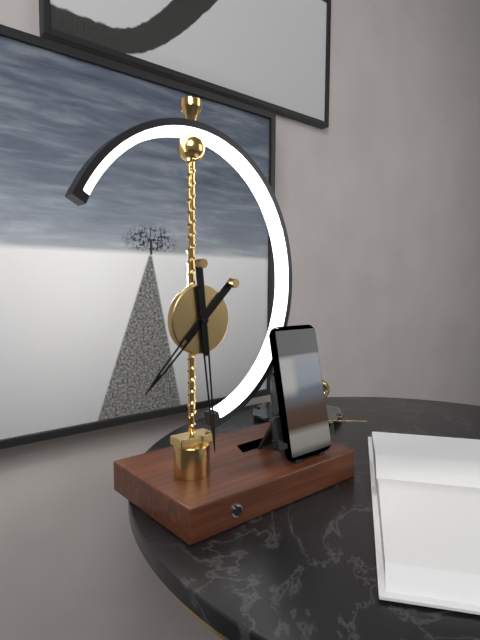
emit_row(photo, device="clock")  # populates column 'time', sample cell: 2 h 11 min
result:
7 h 29 min
